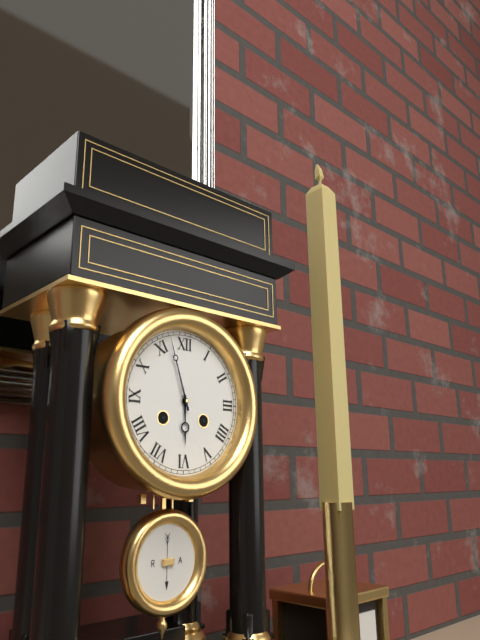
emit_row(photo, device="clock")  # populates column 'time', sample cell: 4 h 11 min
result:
5 h 57 min
